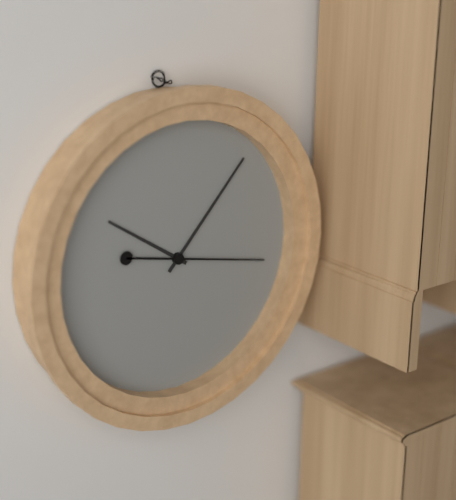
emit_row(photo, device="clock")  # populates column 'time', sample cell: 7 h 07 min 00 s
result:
10 h 07 min 17 s
